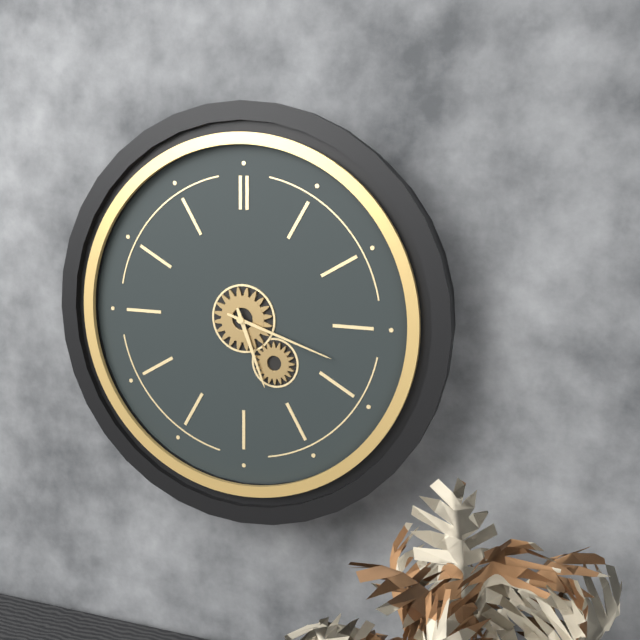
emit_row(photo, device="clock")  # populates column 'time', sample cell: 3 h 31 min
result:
5 h 18 min
